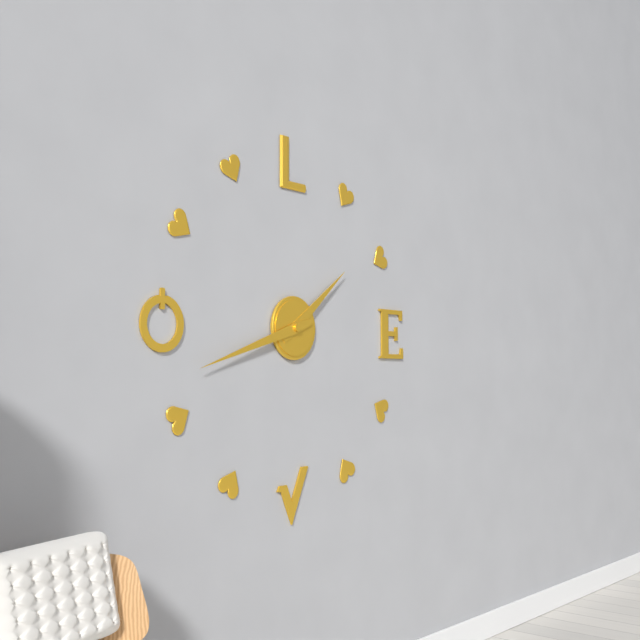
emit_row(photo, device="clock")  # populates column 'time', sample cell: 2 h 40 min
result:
1 h 42 min
